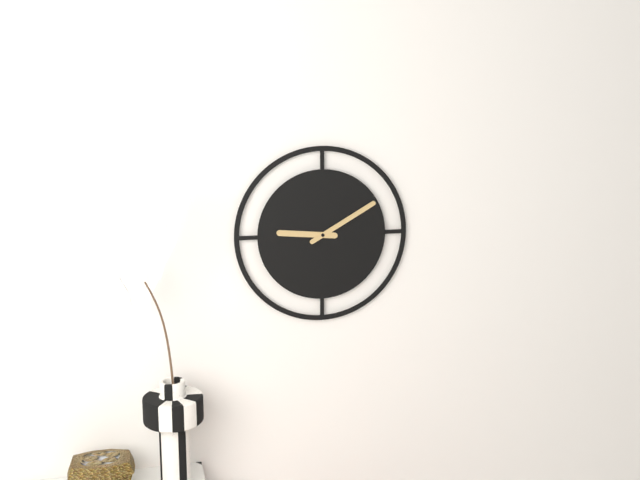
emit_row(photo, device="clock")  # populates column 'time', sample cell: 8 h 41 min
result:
9 h 10 min
